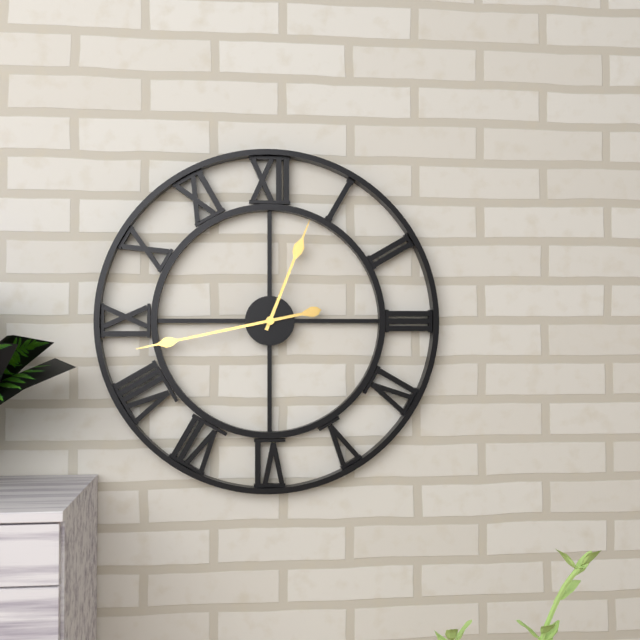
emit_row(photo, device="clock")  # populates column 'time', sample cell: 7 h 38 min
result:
12 h 43 min
